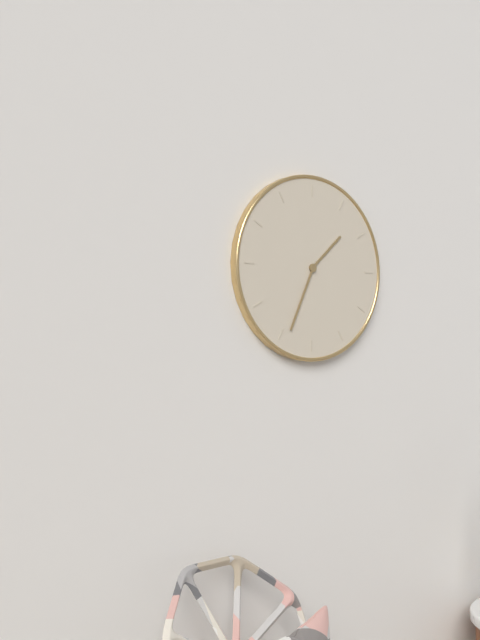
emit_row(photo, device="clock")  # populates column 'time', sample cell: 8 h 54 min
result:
1 h 34 min
